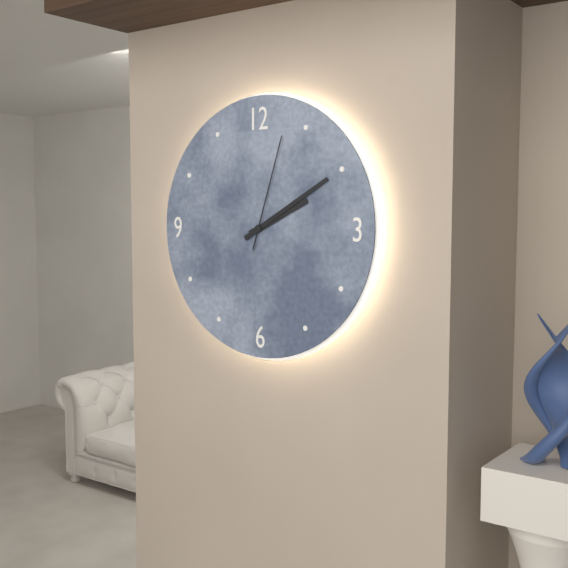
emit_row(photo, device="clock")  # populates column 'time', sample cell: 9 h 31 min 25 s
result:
2 h 10 min 03 s
